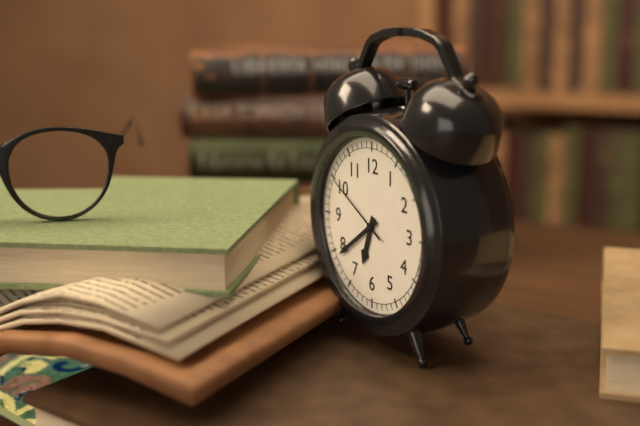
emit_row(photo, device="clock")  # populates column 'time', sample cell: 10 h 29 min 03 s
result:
6 h 39 min 50 s
